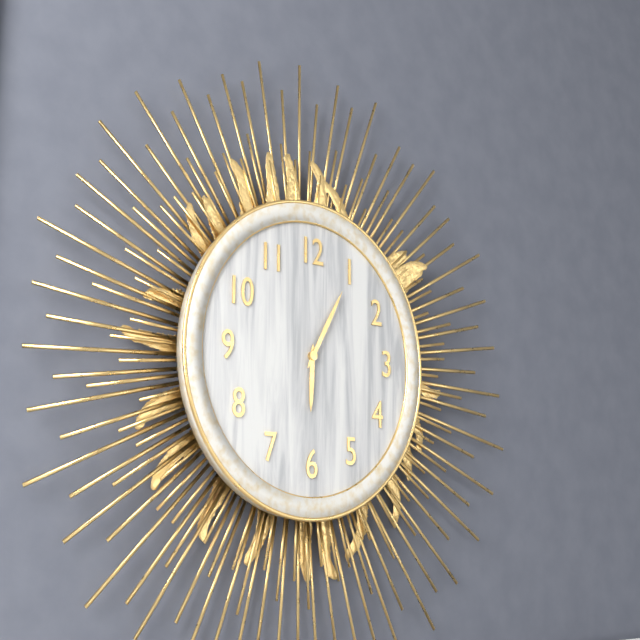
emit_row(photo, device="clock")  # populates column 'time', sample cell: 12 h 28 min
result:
6 h 05 min
